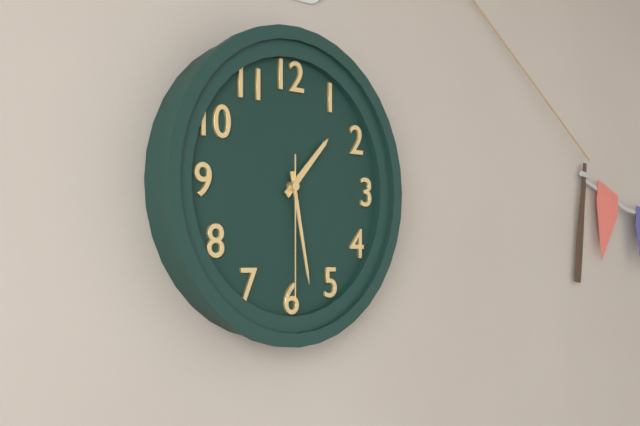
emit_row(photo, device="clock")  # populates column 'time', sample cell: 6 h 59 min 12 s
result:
1 h 28 min 30 s
